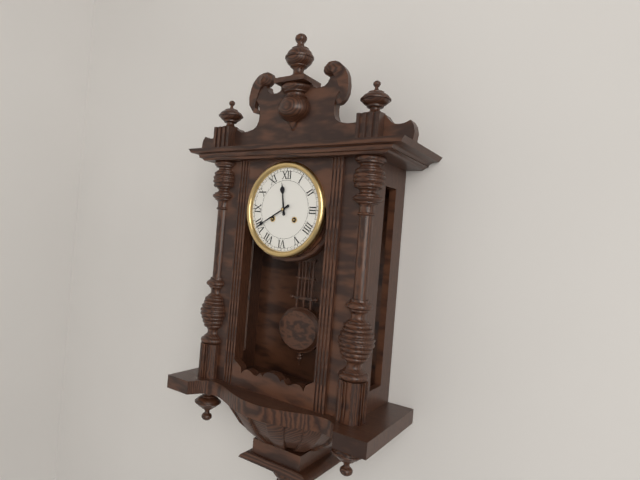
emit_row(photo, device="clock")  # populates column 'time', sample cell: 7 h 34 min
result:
11 h 40 min
